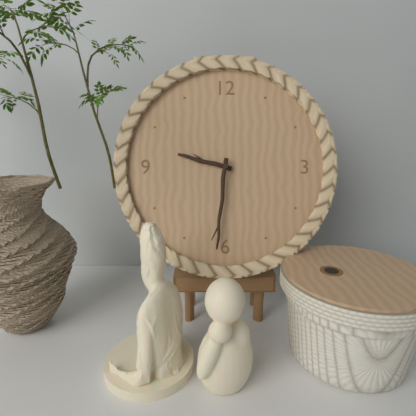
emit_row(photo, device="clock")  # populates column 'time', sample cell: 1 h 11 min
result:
9 h 31 min
